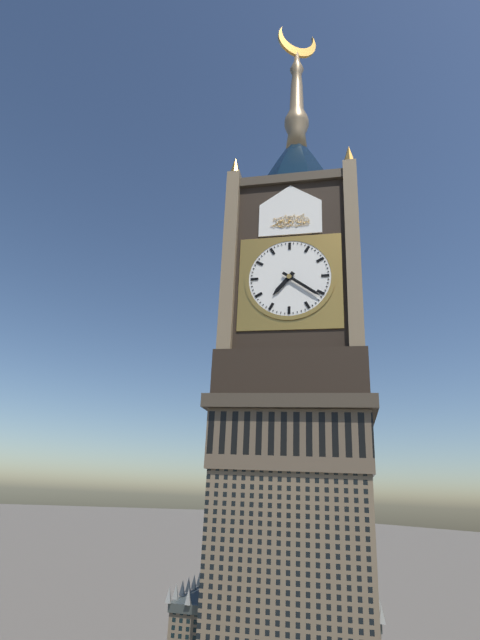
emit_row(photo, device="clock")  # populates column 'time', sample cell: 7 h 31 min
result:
7 h 21 min
